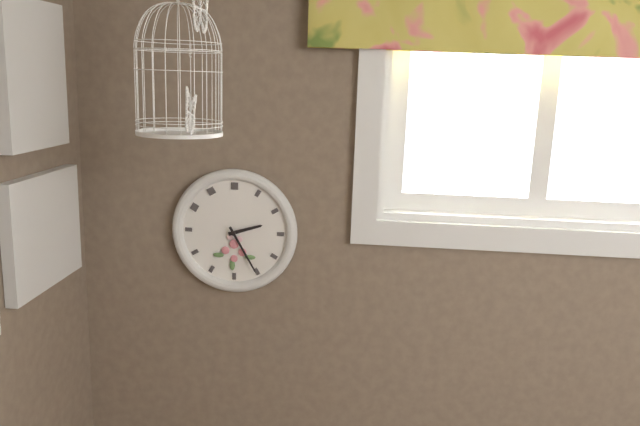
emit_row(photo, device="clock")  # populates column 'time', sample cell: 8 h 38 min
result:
2 h 25 min
